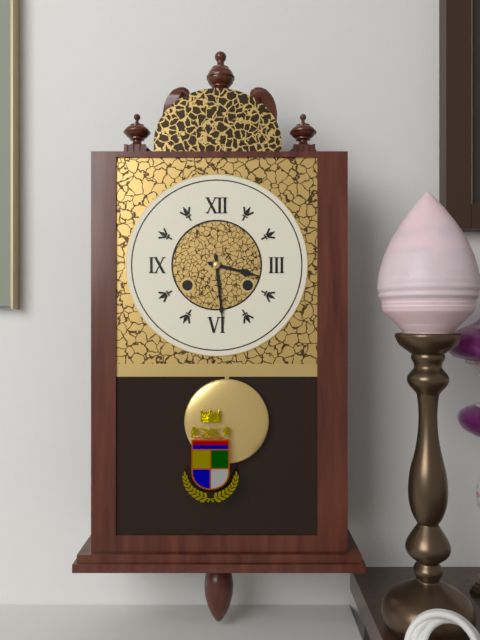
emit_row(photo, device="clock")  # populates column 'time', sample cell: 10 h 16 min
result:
3 h 29 min
